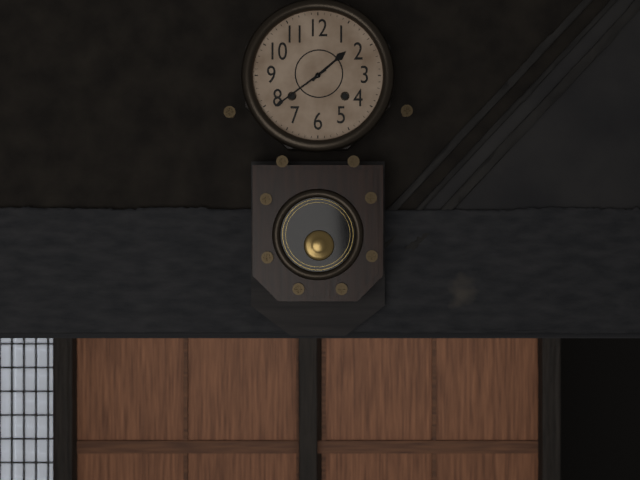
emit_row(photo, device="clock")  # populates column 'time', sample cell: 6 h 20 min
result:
1 h 39 min
